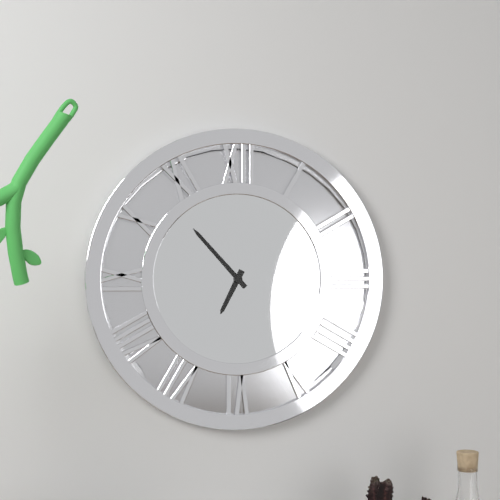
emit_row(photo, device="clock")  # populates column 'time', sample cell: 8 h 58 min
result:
6 h 53 min
